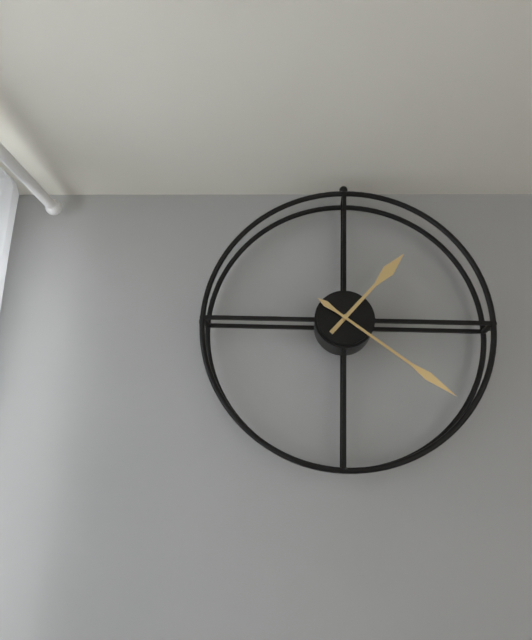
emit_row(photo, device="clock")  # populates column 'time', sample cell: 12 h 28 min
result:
1 h 21 min
